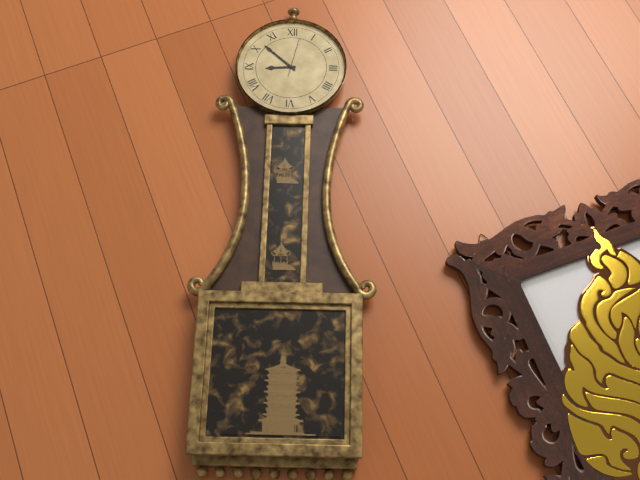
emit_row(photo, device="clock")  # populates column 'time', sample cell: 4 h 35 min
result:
8 h 52 min
